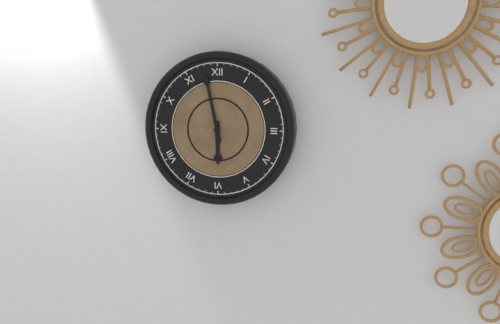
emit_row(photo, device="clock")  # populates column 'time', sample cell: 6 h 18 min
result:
5 h 58 min
